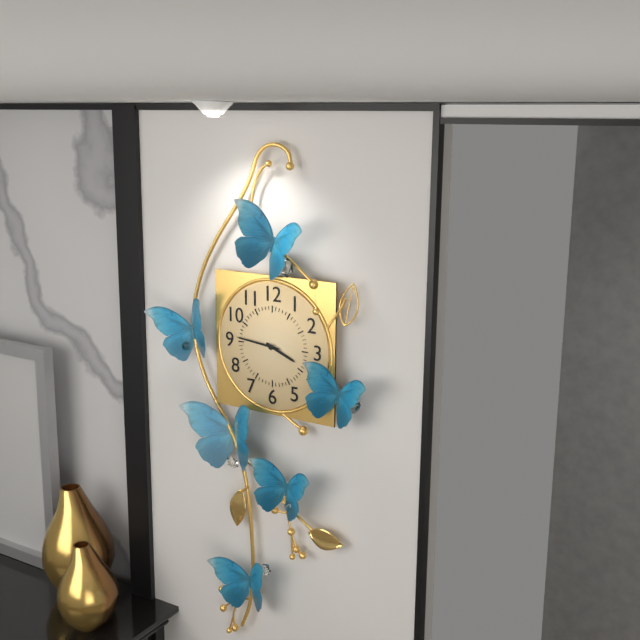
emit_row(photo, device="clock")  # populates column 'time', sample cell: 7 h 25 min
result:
3 h 46 min
